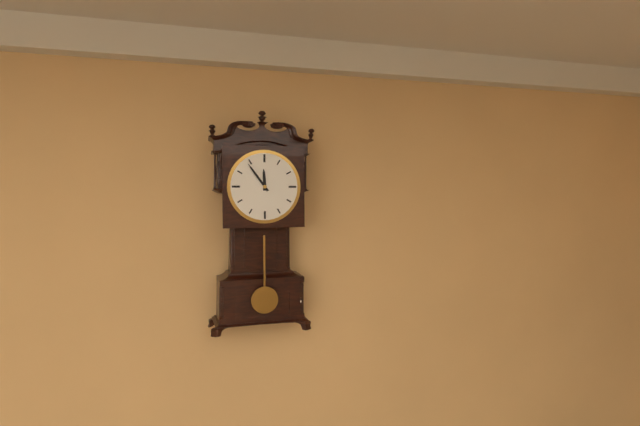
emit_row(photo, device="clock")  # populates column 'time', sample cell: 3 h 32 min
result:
11 h 54 min
